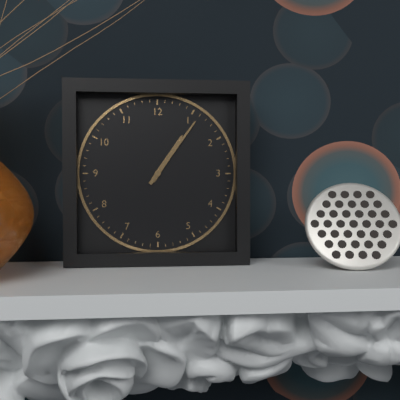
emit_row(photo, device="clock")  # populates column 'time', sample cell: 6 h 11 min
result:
1 h 06 min
